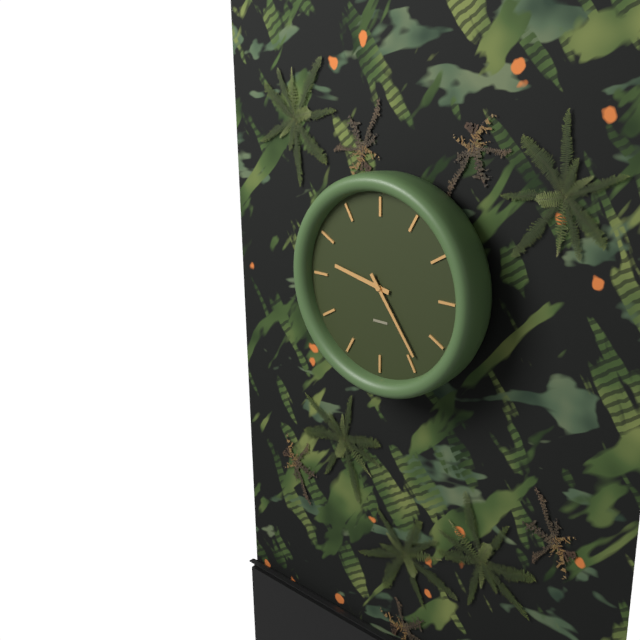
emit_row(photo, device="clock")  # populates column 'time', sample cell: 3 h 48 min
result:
9 h 24 min
